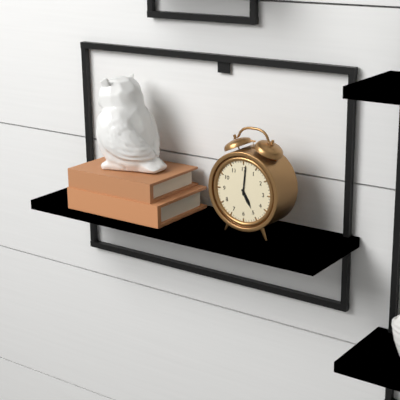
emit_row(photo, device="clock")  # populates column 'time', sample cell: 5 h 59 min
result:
5 h 01 min
